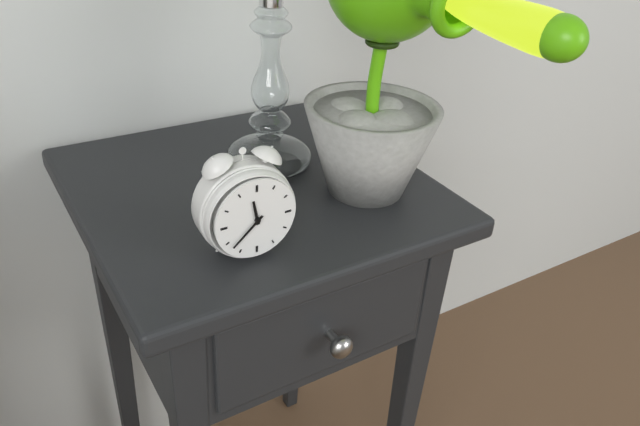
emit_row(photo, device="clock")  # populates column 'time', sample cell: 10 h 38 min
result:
11 h 38 min
